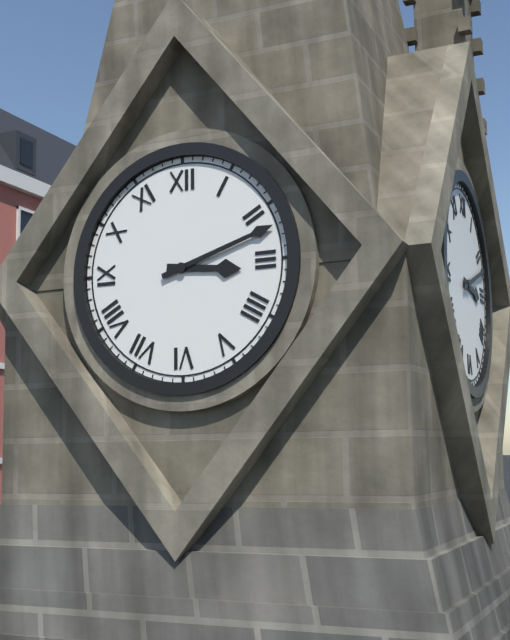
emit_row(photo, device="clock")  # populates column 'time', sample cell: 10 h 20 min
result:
3 h 12 min
